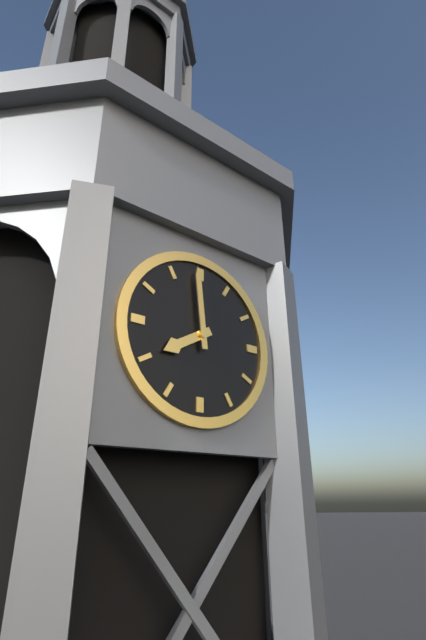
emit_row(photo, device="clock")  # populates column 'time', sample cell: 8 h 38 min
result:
7 h 59 min
